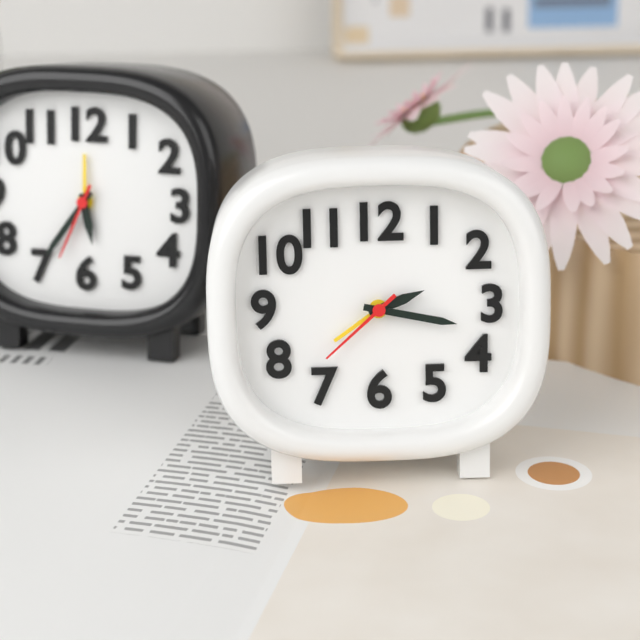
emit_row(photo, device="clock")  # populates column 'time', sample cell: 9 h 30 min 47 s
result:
2 h 17 min 38 s
